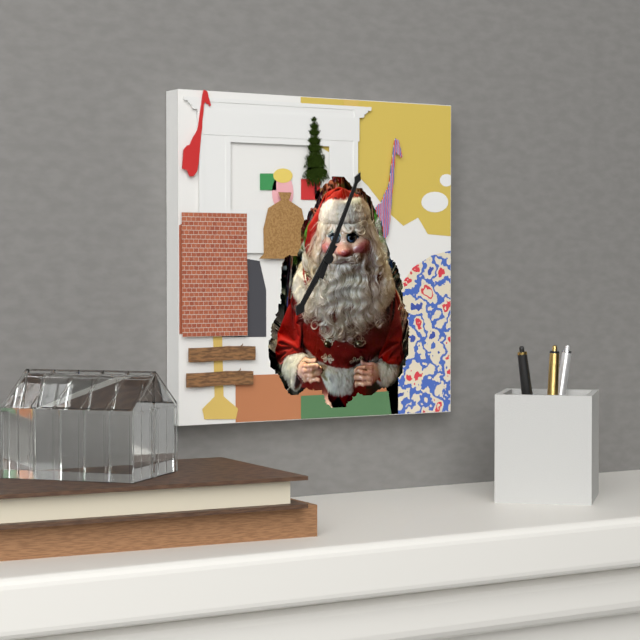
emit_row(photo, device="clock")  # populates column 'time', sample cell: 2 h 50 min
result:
7 h 04 min
